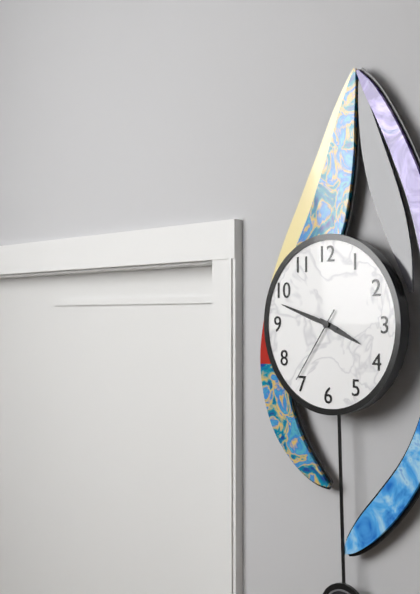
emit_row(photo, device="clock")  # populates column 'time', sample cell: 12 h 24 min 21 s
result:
3 h 48 min 36 s
